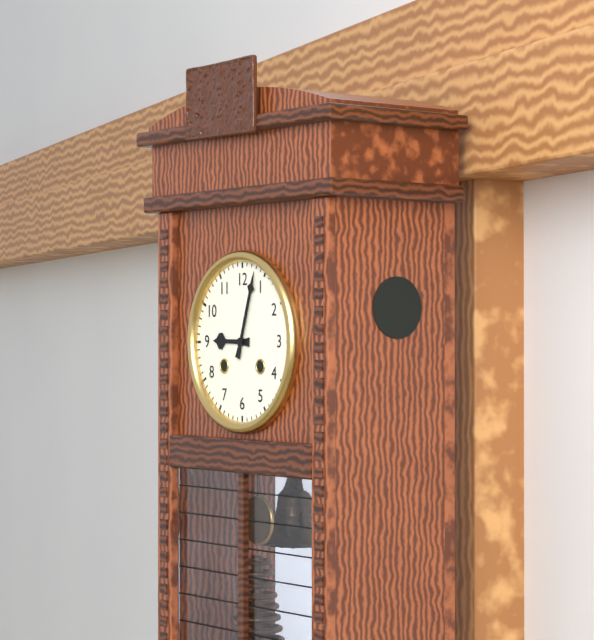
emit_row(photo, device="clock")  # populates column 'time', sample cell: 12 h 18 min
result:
9 h 03 min
